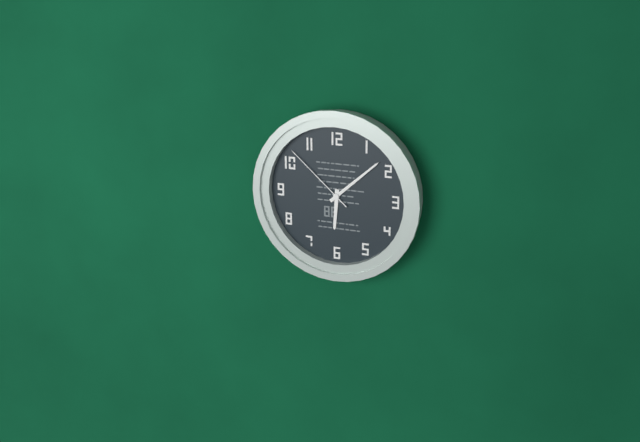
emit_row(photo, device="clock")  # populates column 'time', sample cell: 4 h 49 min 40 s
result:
6 h 08 min 52 s
